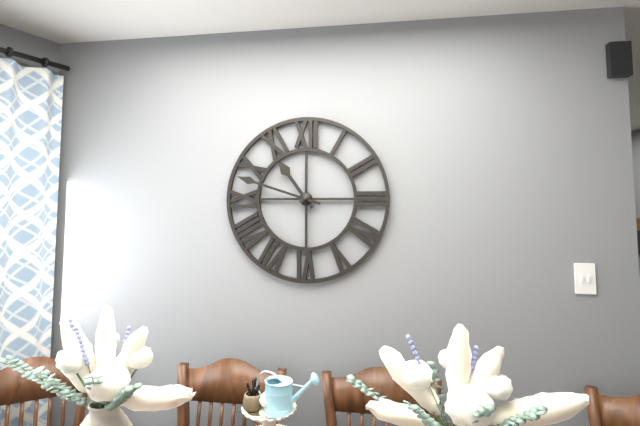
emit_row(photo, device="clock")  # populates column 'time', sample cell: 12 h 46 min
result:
10 h 48 min
